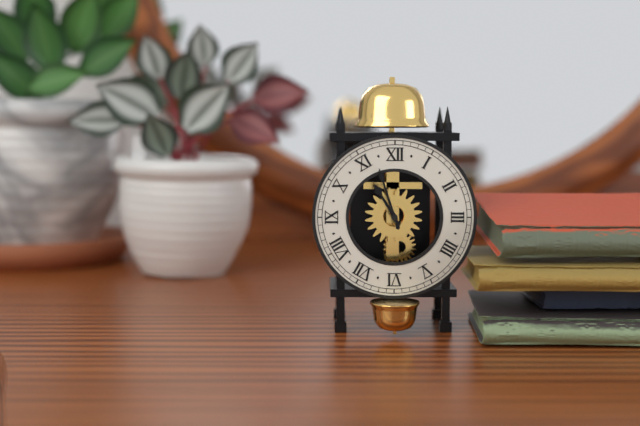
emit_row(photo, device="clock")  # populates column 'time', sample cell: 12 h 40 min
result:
10 h 57 min
